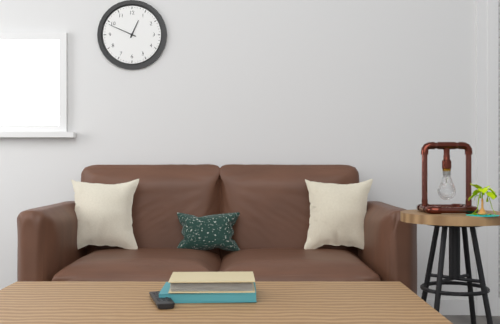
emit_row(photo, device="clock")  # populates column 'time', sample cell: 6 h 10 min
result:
12 h 49 min
